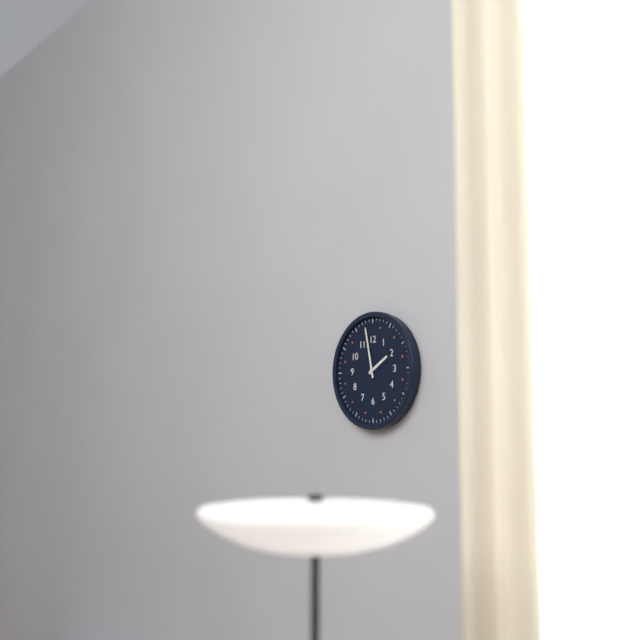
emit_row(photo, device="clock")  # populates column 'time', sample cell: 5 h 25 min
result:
1 h 58 min
